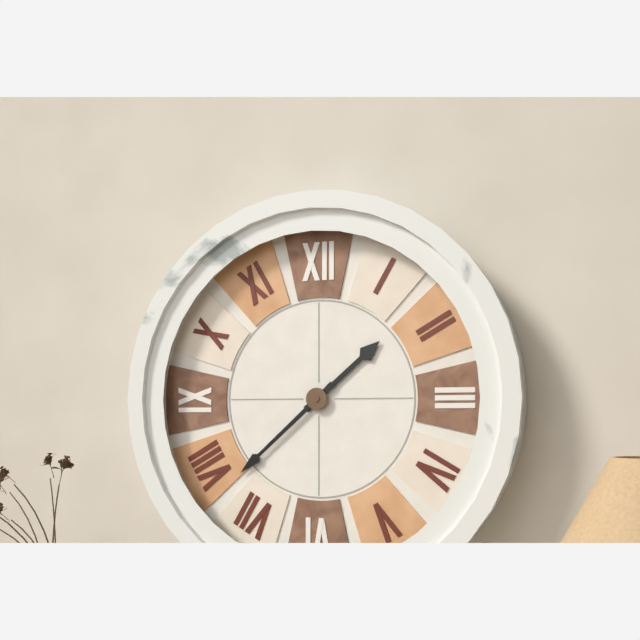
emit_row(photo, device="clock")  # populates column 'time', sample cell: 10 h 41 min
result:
1 h 38 min
